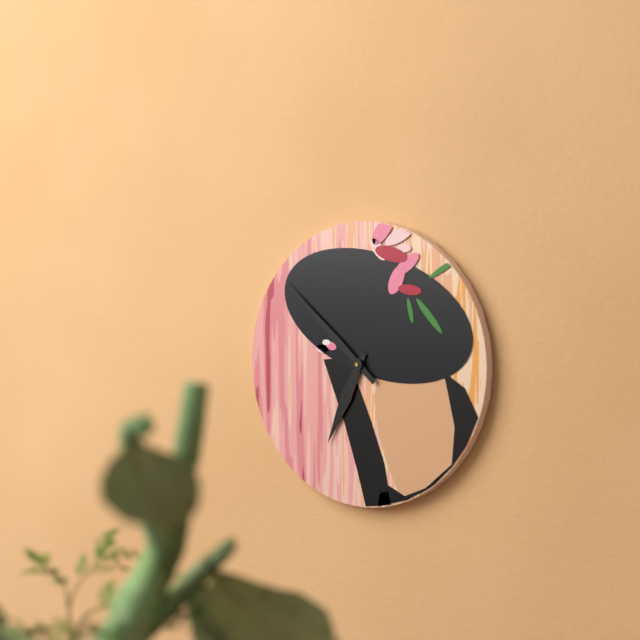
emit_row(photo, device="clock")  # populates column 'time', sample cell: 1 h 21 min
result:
6 h 52 min
